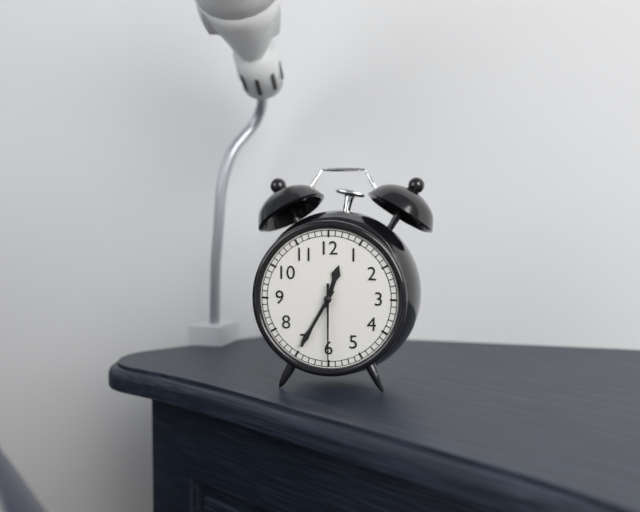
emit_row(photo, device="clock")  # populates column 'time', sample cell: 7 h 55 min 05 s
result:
12 h 35 min 30 s
